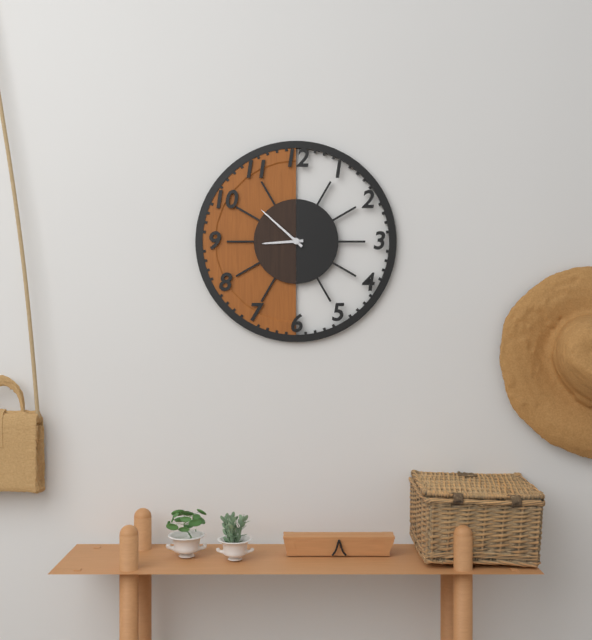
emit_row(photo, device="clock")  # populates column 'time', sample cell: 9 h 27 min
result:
8 h 52 min
